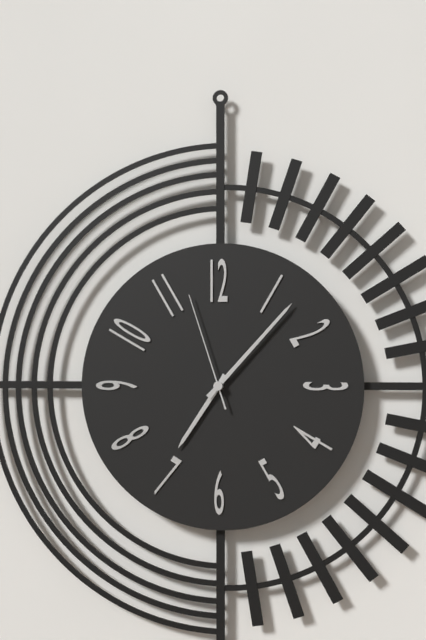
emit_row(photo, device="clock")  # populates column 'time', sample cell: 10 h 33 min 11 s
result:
7 h 07 min 57 s
